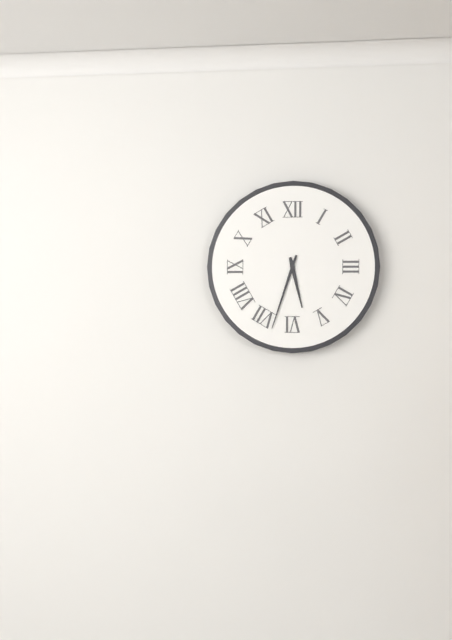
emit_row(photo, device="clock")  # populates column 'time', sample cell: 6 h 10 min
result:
5 h 33 min
